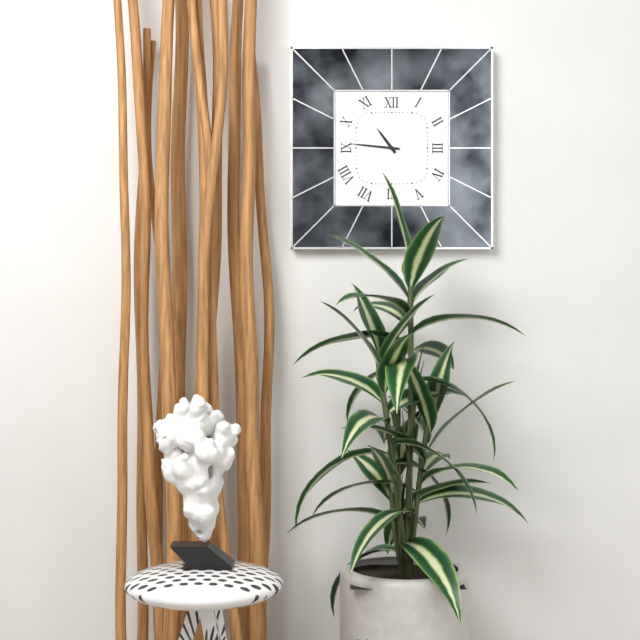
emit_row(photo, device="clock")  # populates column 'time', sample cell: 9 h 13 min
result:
10 h 46 min
